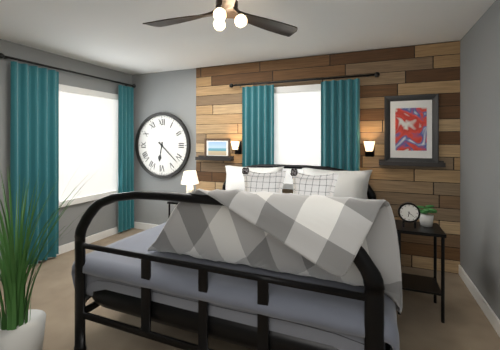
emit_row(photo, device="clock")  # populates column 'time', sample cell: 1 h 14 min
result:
6 h 22 min
